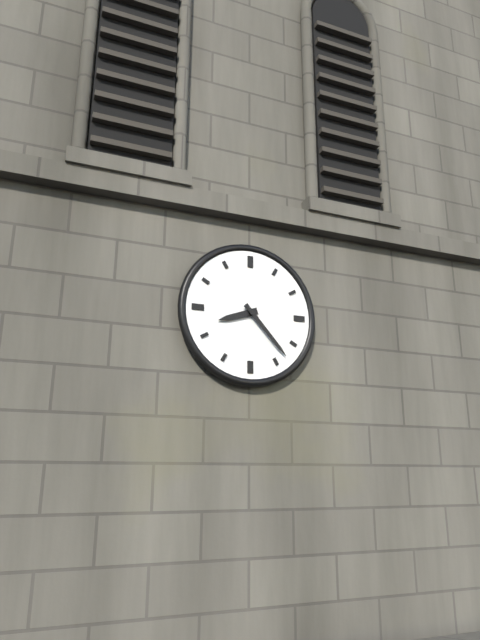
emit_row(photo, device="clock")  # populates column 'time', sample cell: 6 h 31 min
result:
8 h 23 min
